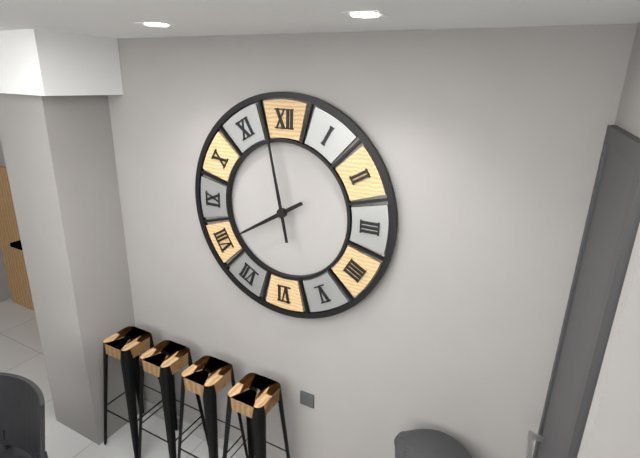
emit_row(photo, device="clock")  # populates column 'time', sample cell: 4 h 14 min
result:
7 h 58 min
